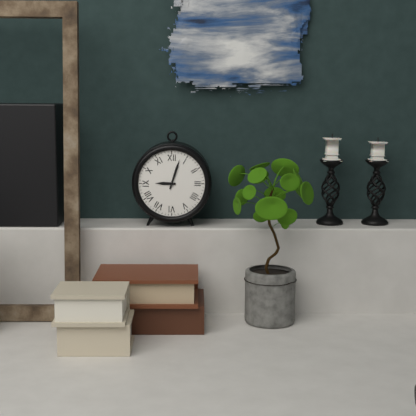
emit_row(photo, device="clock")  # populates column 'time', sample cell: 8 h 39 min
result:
9 h 03 min
